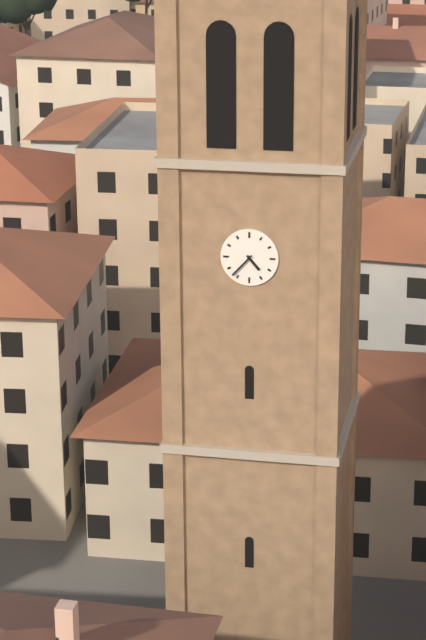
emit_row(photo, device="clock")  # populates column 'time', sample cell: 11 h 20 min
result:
4 h 37 min
